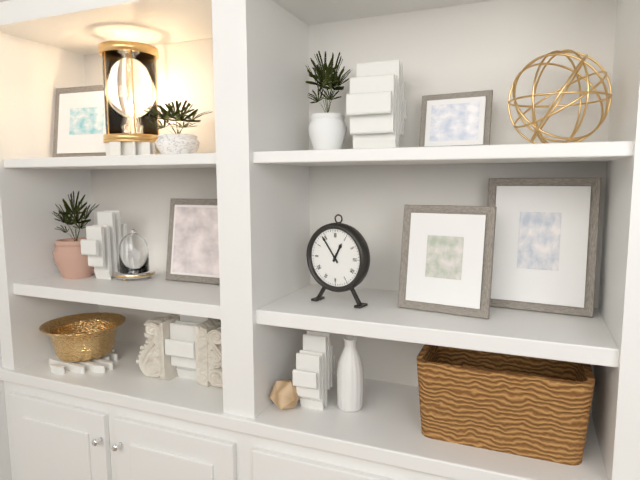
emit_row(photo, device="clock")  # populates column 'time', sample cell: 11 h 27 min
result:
12 h 54 min
